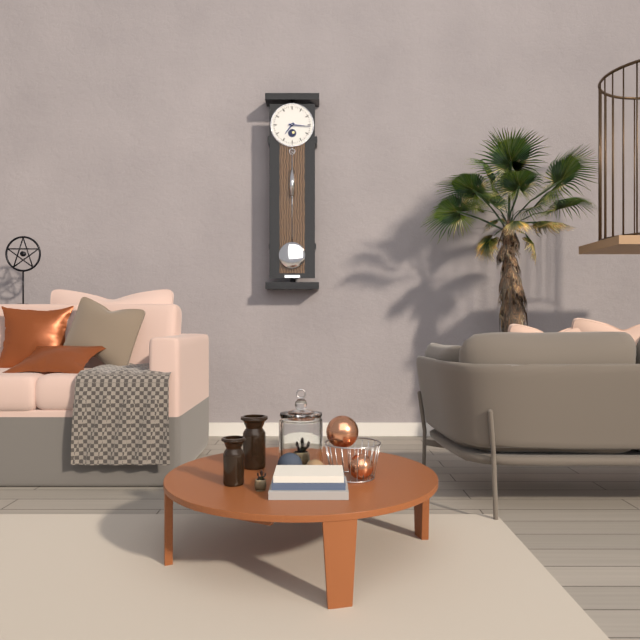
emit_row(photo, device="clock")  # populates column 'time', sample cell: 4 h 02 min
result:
7 h 16 min
